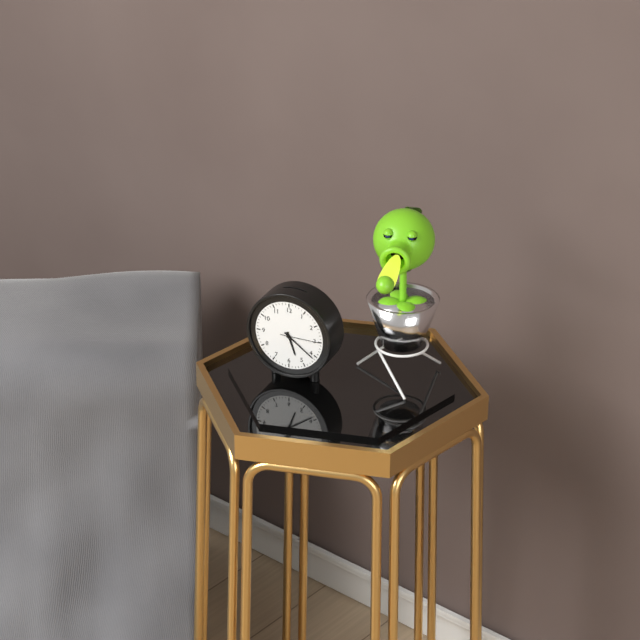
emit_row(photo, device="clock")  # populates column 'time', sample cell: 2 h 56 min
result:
5 h 21 min
